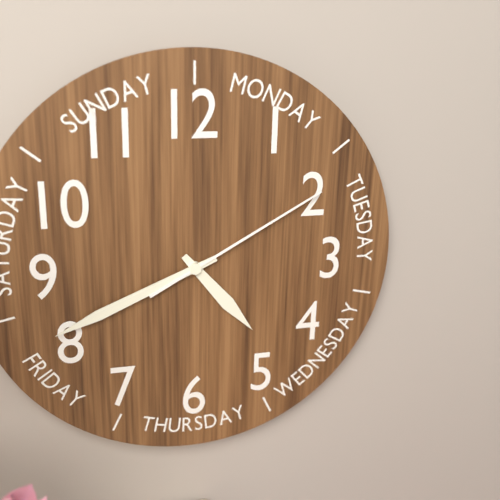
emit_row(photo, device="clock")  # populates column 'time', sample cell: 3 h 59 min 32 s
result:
4 h 41 min 10 s
